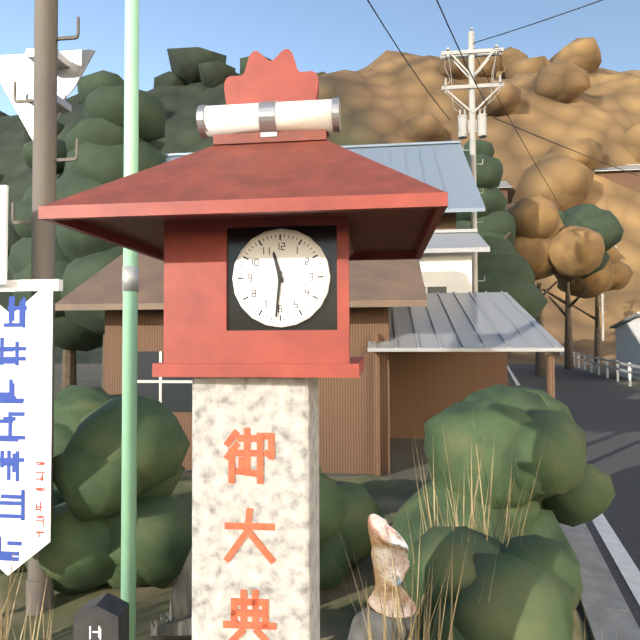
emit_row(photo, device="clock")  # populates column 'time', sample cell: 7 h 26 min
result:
11 h 31 min
